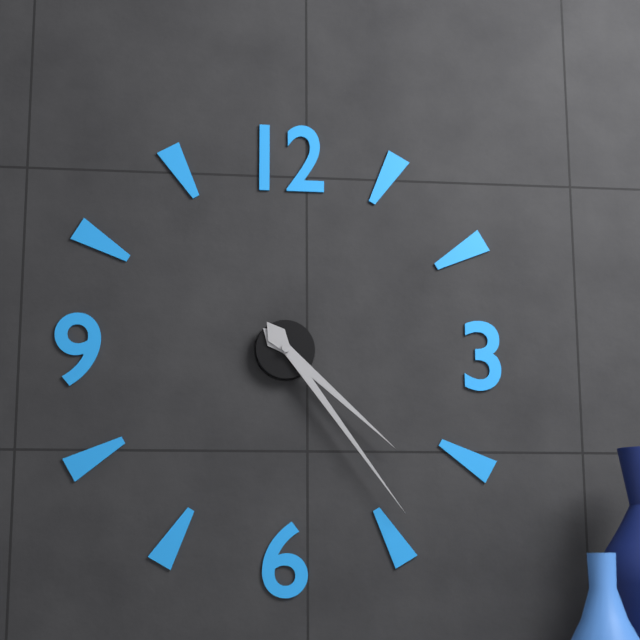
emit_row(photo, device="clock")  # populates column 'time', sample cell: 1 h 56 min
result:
4 h 24 min
